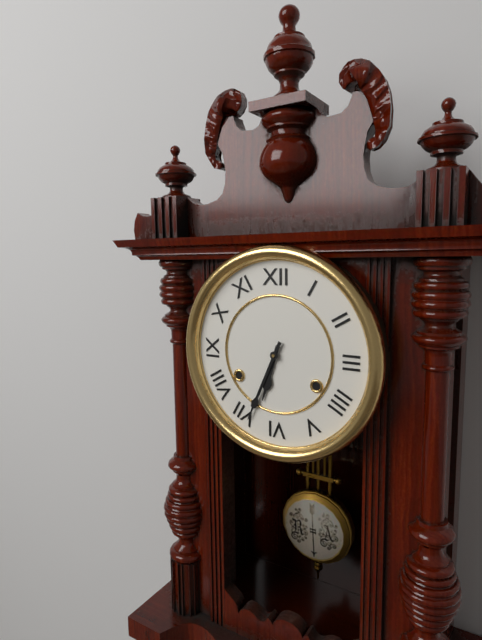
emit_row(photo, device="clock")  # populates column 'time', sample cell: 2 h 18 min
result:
6 h 34 min
